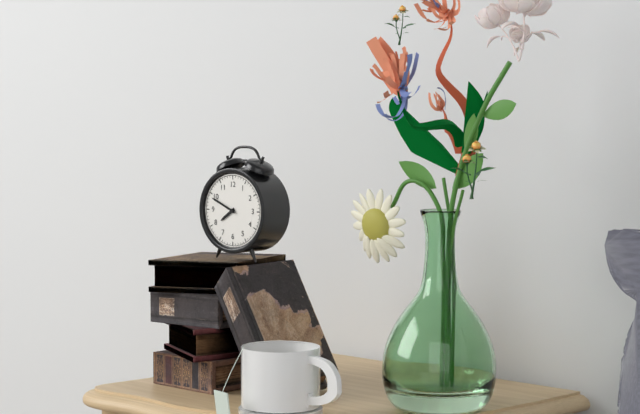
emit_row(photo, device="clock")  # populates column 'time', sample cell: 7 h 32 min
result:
7 h 49 min
